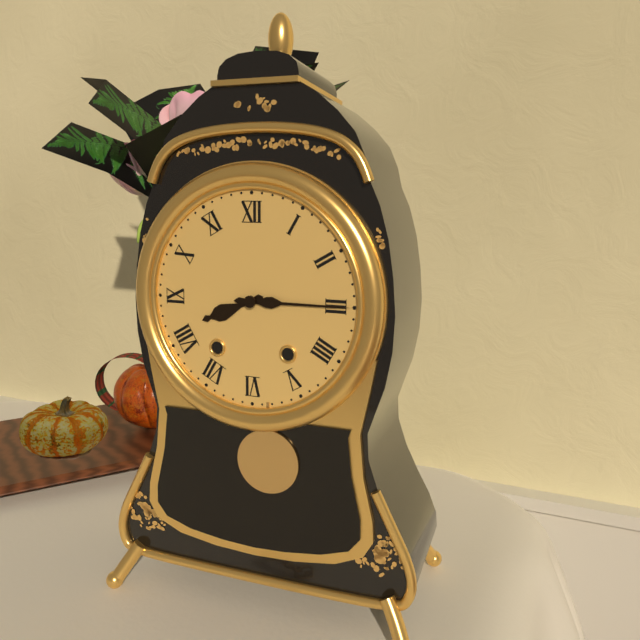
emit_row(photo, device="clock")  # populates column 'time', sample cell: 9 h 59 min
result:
8 h 15 min
